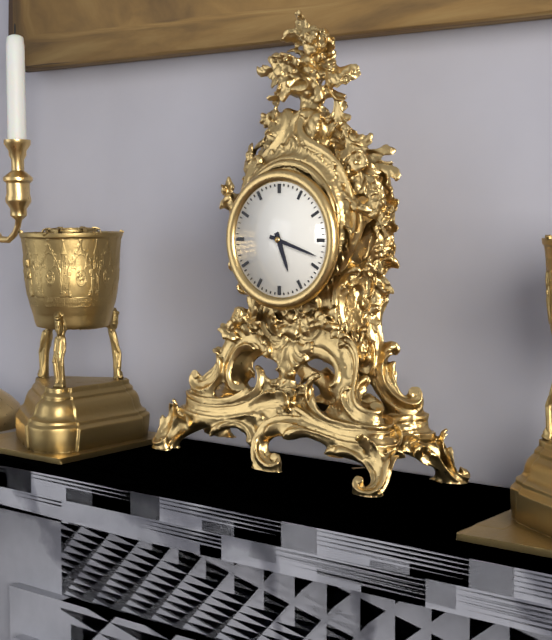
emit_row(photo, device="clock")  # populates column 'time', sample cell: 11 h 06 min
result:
5 h 18 min
